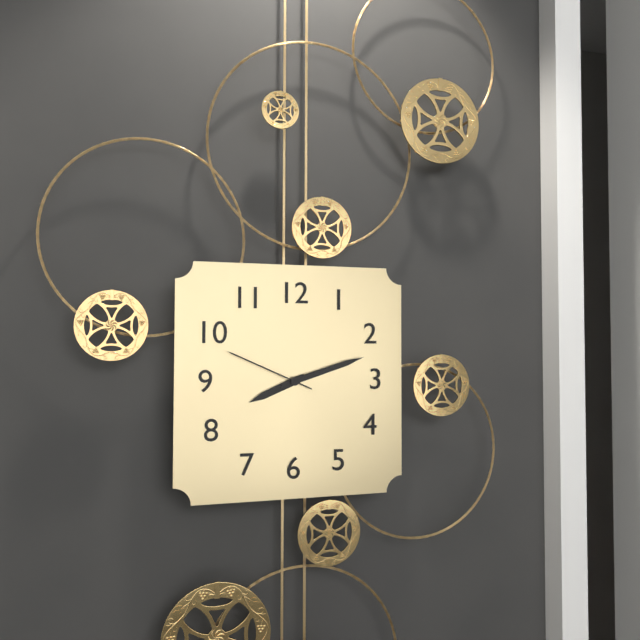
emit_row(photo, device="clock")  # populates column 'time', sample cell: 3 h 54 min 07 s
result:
8 h 12 min 49 s
